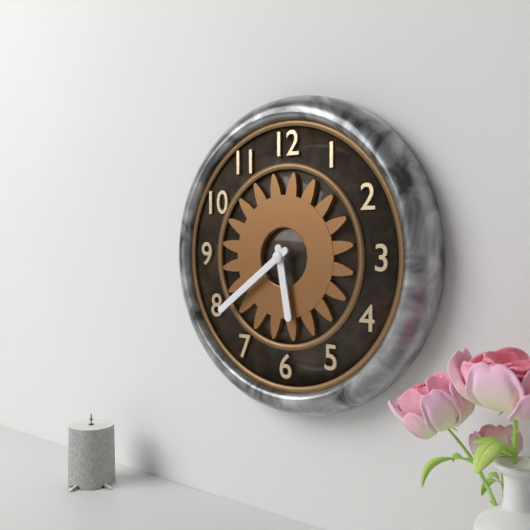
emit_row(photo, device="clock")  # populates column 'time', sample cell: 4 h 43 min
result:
5 h 39 min
